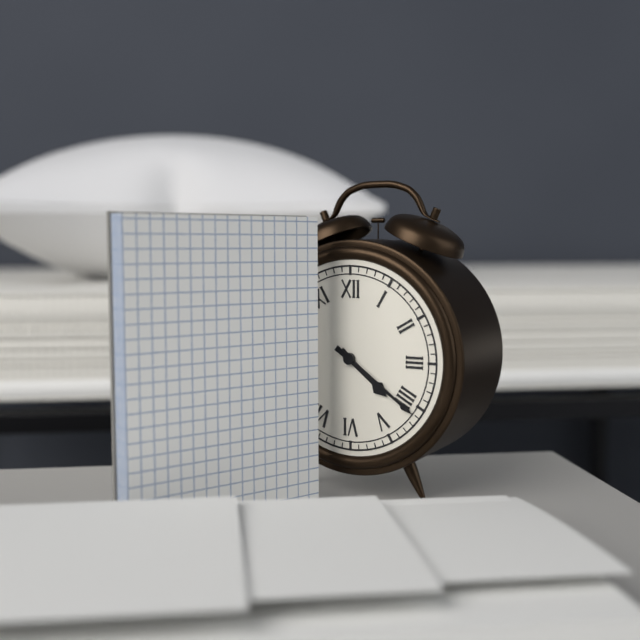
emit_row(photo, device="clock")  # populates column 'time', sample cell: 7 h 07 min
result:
4 h 21 min
